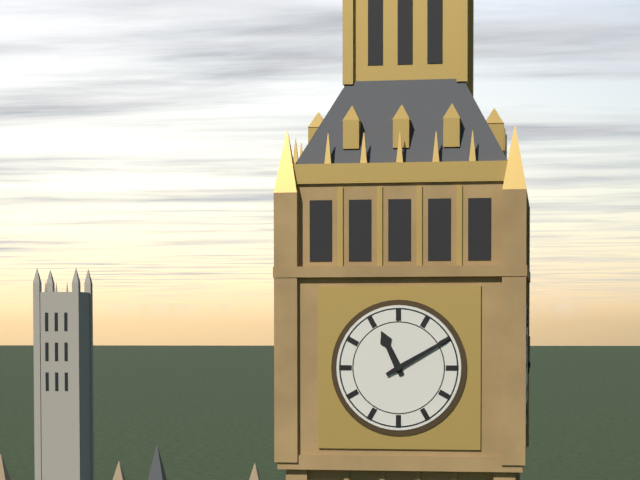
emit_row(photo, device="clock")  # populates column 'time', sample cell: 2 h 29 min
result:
11 h 10 min
